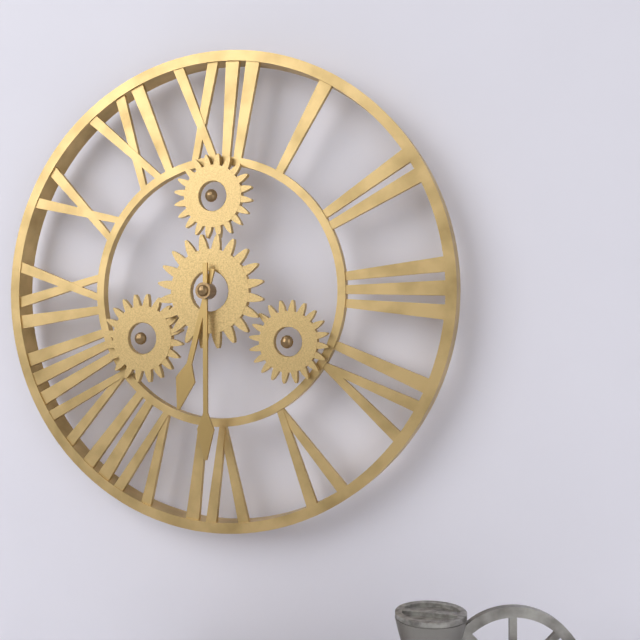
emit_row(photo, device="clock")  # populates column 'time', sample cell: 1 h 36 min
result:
6 h 30 min
